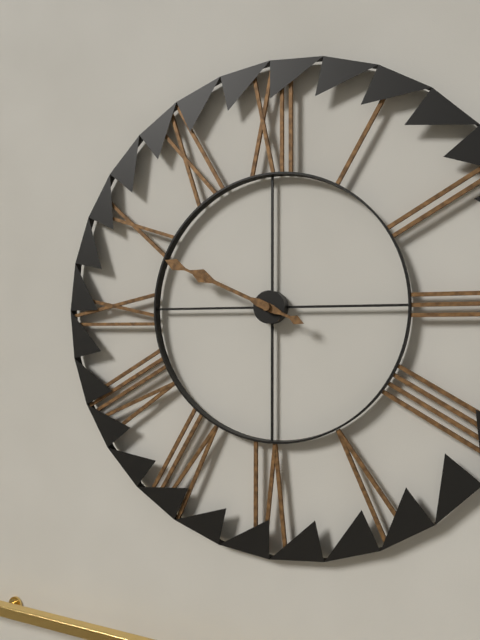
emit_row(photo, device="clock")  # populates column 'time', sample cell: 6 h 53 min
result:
9 h 49 min
